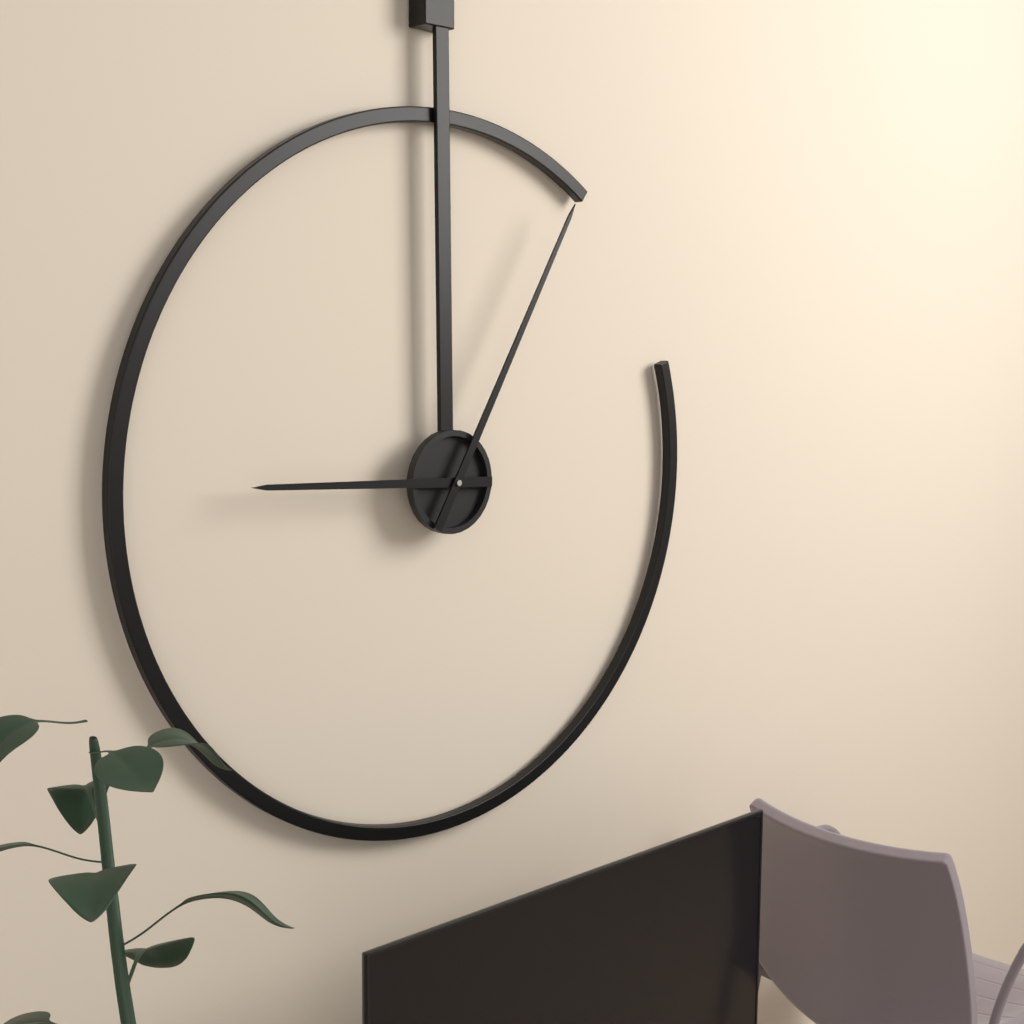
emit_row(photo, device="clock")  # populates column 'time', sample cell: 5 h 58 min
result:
9 h 05 min
